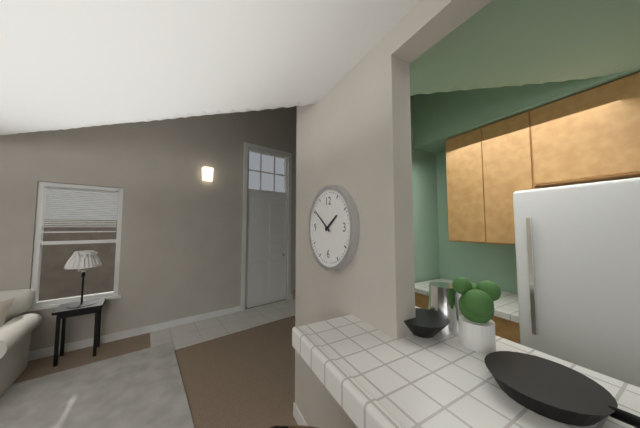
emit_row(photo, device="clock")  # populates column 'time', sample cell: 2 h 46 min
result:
1 h 51 min
